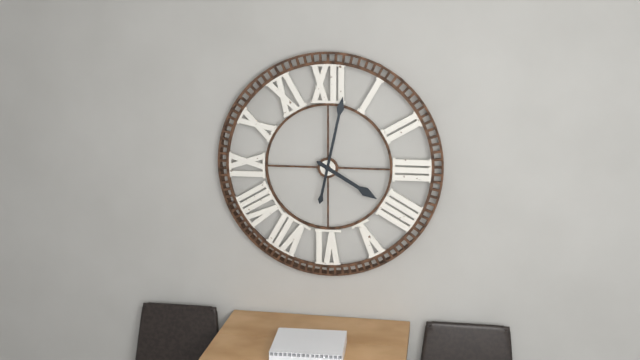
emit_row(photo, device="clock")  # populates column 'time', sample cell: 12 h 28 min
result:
4 h 02 min
